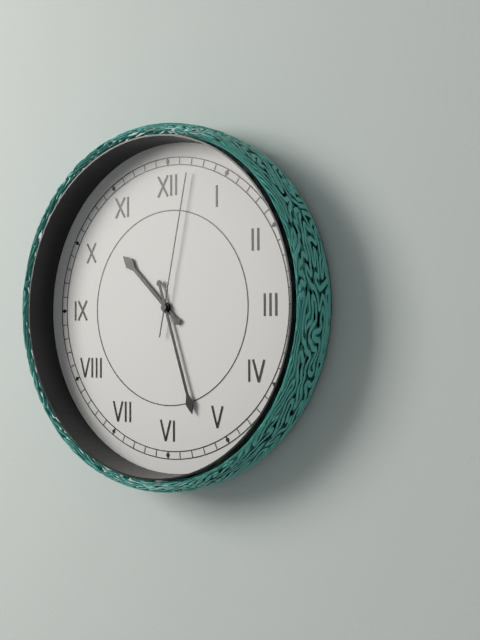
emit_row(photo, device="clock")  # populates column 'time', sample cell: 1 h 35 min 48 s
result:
10 h 27 min 02 s
